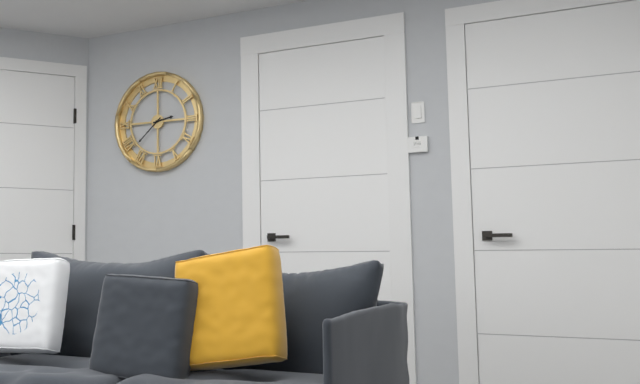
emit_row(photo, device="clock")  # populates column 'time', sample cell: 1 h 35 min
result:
2 h 38 min
